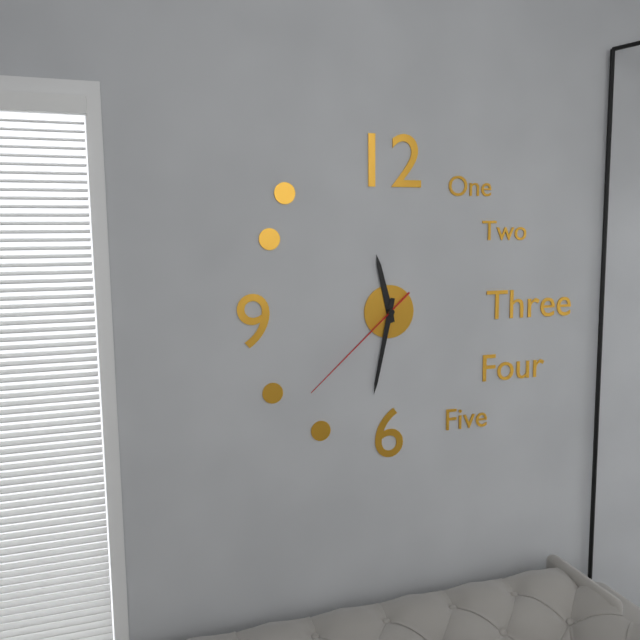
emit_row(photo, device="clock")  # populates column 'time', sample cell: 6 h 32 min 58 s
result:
11 h 32 min 38 s
